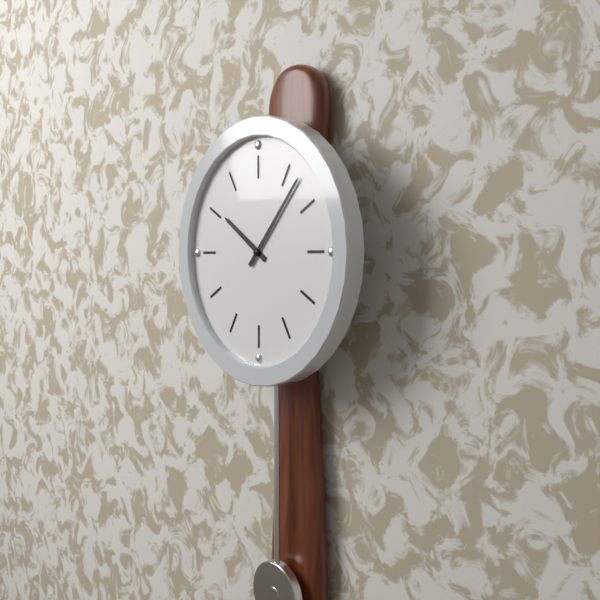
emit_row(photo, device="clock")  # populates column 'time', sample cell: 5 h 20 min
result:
10 h 07 min
